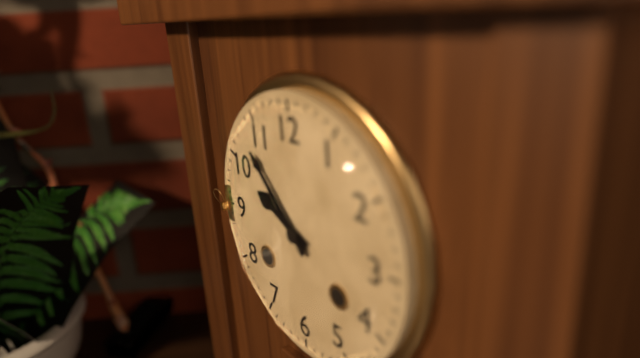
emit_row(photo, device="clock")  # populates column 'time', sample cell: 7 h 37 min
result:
9 h 53 min
